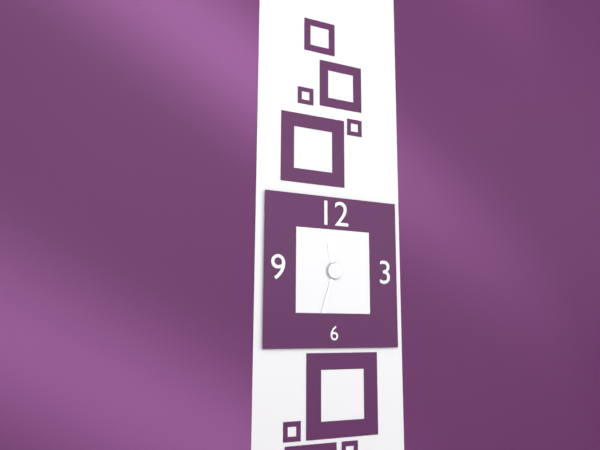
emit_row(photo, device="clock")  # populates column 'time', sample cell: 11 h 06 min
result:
11 h 33 min
